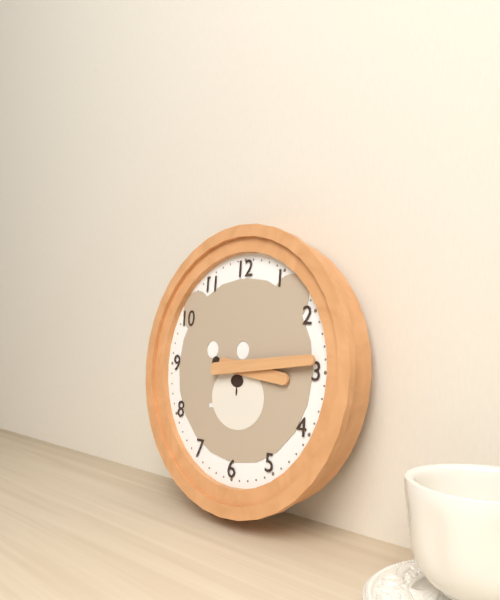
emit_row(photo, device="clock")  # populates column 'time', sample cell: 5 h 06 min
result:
3 h 14 min
